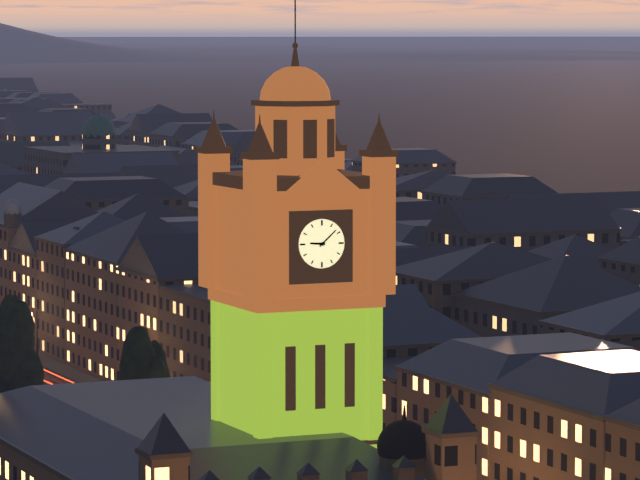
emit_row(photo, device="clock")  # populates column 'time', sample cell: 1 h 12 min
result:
9 h 08 min
